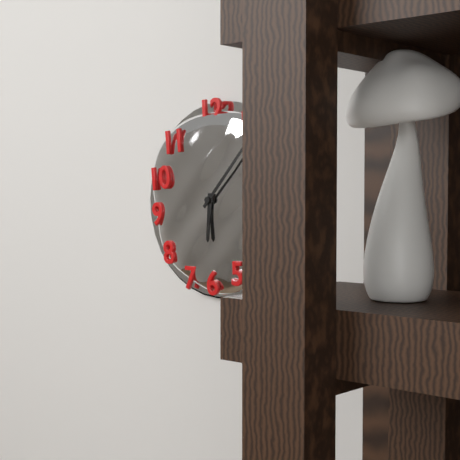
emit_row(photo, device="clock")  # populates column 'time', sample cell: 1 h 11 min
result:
6 h 07 min
